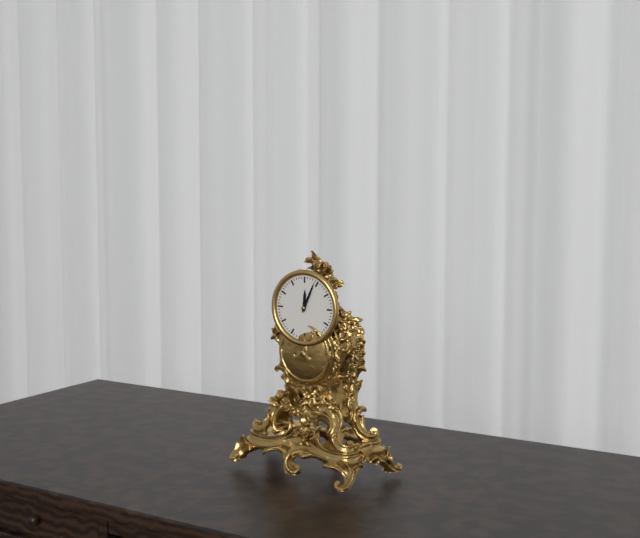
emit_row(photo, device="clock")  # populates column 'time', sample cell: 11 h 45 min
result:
12 h 04 min
